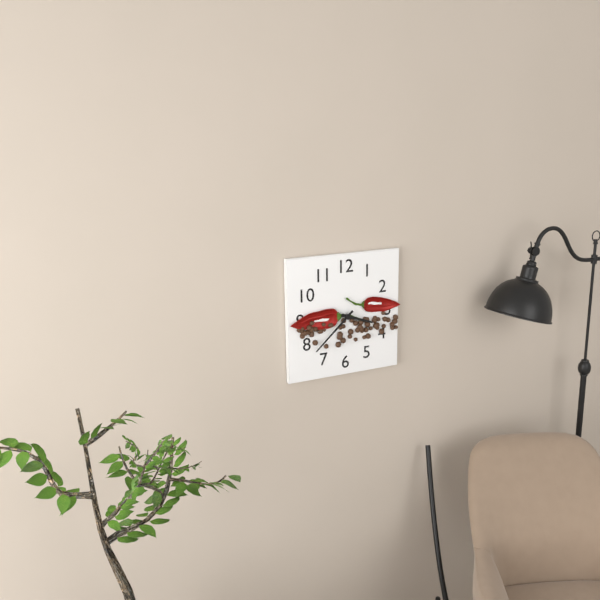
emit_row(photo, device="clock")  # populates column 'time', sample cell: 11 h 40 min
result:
3 h 38 min
